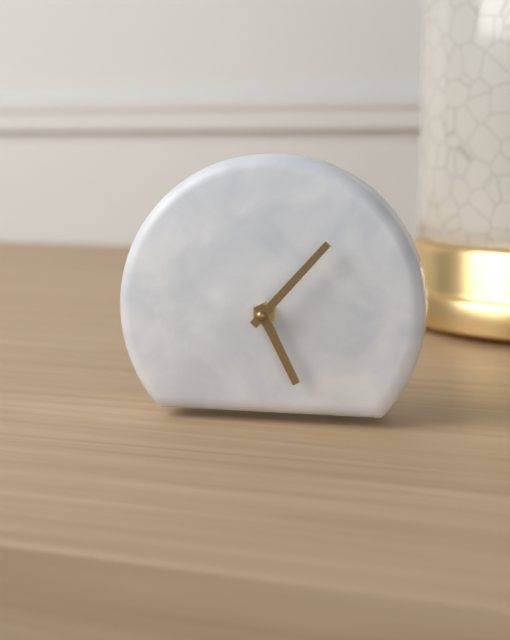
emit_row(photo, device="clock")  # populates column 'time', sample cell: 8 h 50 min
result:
5 h 07 min
